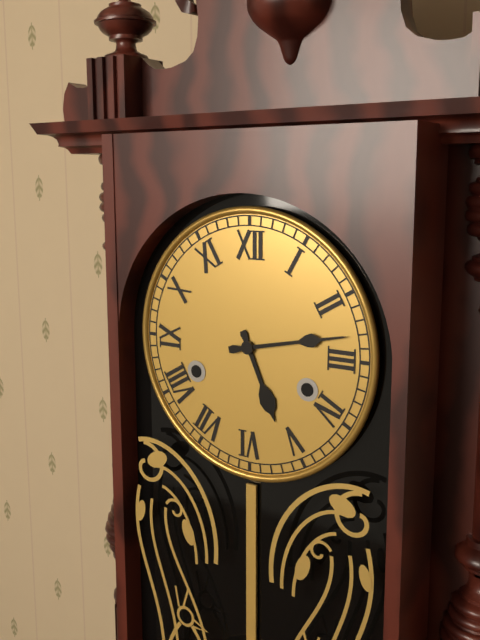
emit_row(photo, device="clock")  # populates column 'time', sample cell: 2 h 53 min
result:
5 h 13 min
